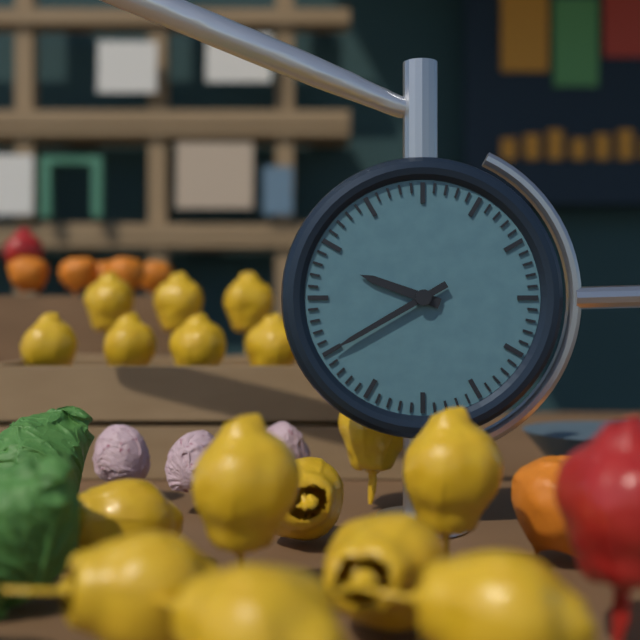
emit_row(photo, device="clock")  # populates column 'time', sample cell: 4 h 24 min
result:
9 h 40 min
